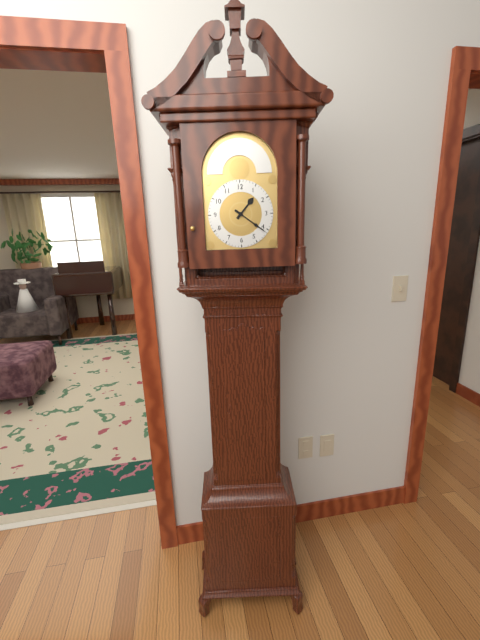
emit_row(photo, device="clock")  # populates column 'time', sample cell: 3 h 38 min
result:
1 h 21 min
